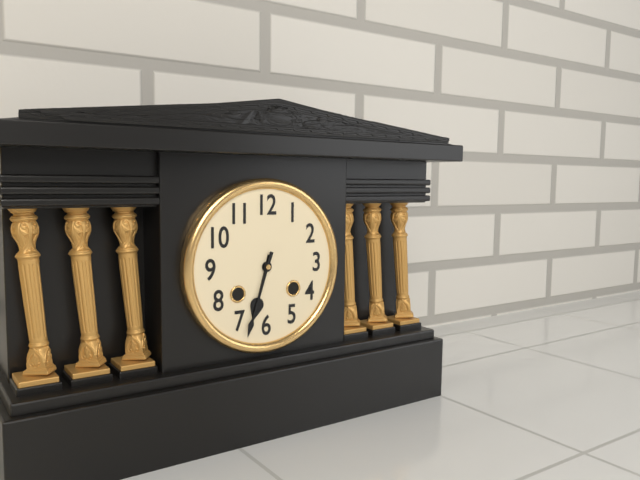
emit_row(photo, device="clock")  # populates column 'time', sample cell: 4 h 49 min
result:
6 h 33 min
